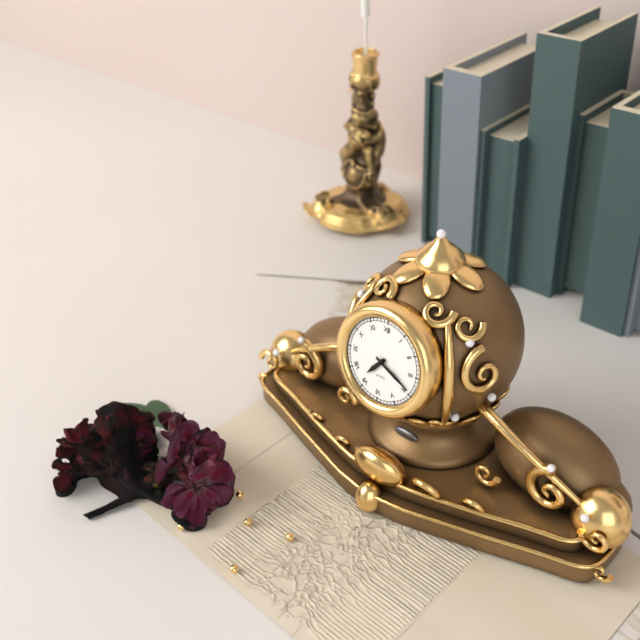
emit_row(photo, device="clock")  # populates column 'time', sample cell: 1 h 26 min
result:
7 h 19 min
